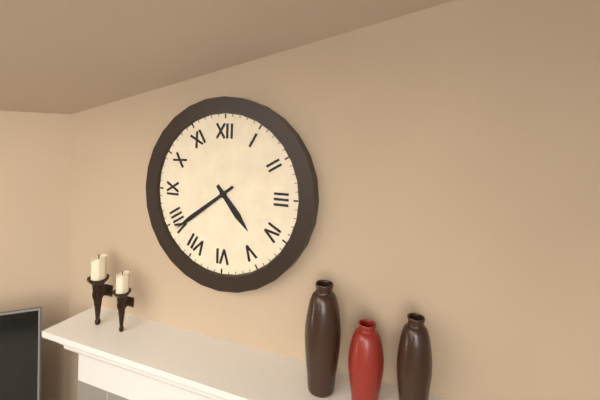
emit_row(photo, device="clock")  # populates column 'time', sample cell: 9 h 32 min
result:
4 h 39 min
